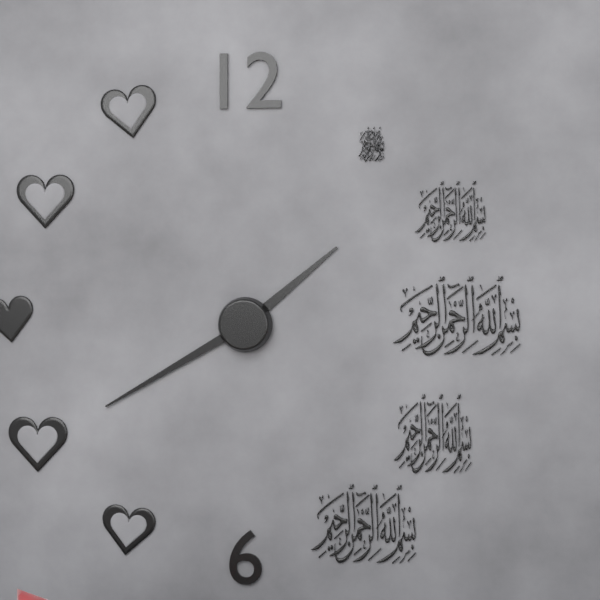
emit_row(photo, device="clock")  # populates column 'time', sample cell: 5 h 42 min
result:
1 h 40 min
